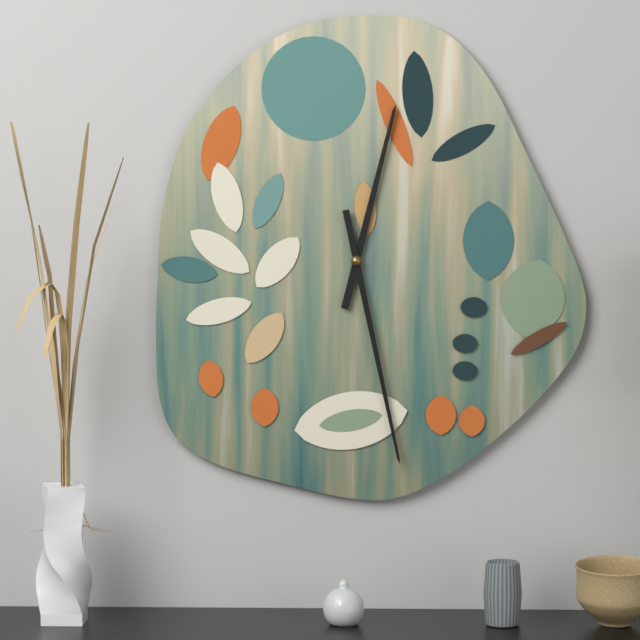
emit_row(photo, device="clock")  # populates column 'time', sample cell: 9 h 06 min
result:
12 h 28 min
